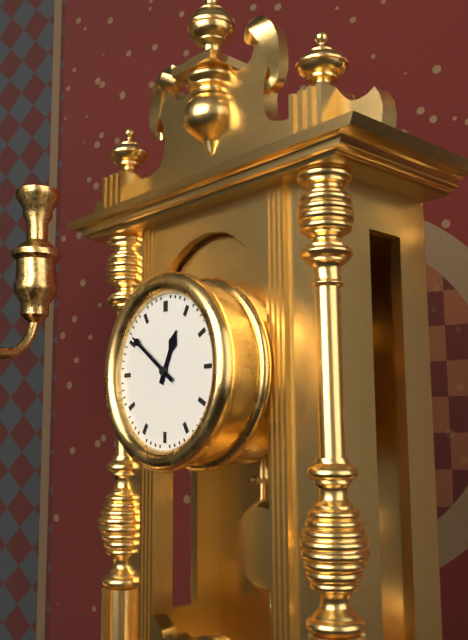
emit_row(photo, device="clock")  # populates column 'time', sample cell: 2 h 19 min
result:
12 h 51 min
